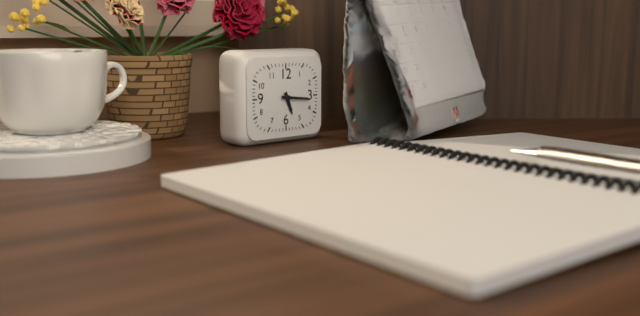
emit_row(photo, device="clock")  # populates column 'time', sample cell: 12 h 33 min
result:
5 h 16 min
